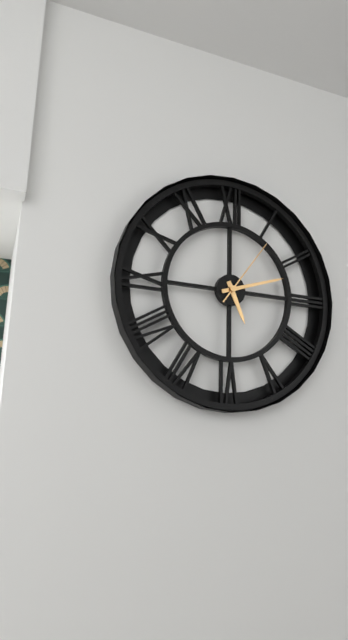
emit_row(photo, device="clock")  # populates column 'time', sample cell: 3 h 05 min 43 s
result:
5 h 12 min 06 s
